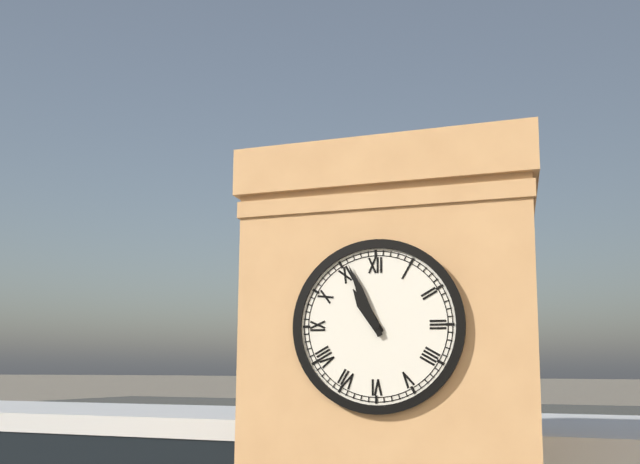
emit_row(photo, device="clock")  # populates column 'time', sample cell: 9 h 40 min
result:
10 h 56 min
